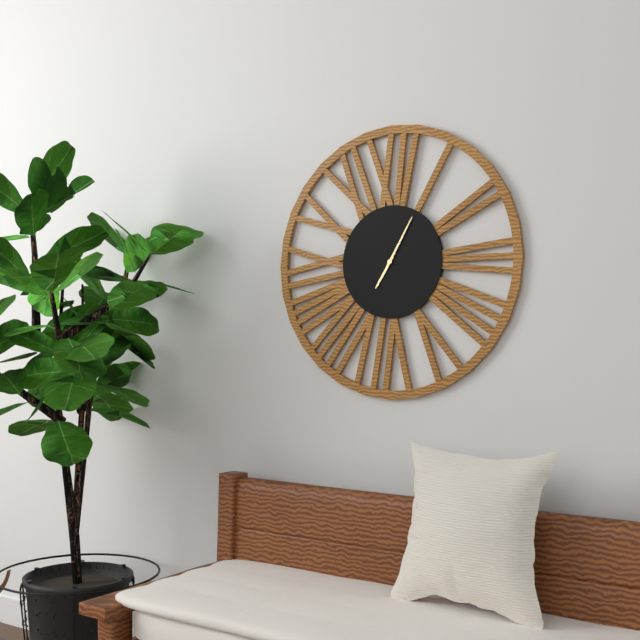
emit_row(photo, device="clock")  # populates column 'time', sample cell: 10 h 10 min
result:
7 h 05 min
